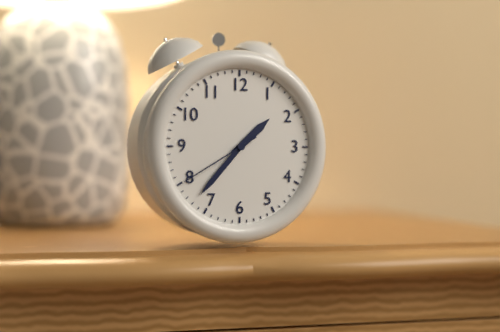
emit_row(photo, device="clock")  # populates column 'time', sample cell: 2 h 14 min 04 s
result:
1 h 37 min 40 s
